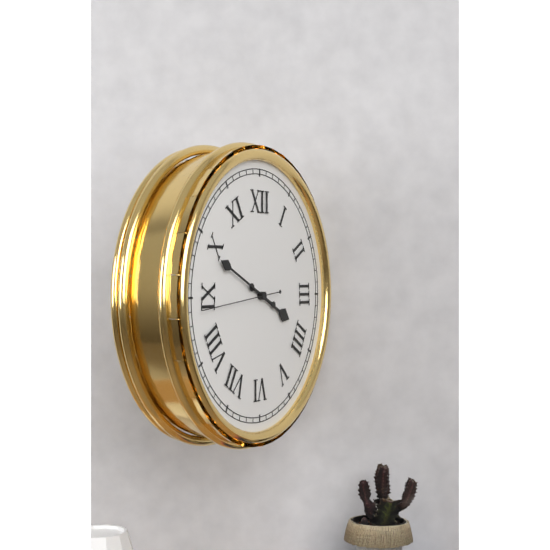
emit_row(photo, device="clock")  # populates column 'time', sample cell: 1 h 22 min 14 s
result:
3 h 49 min 44 s
